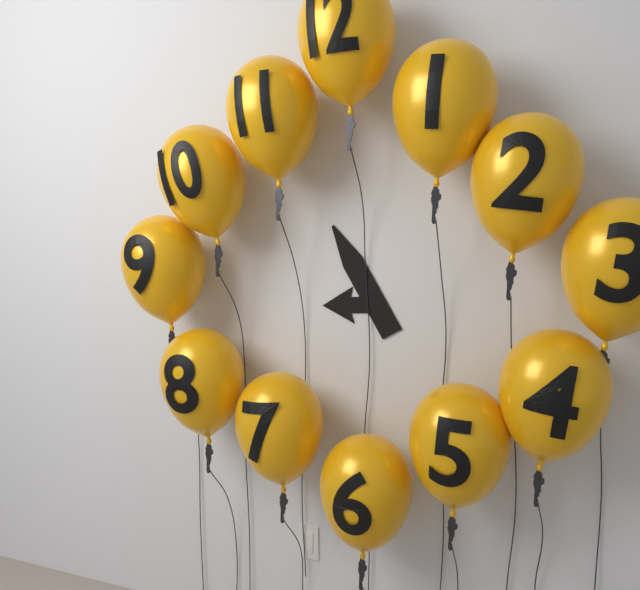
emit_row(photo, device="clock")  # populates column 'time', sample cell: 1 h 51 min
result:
8 h 55 min
